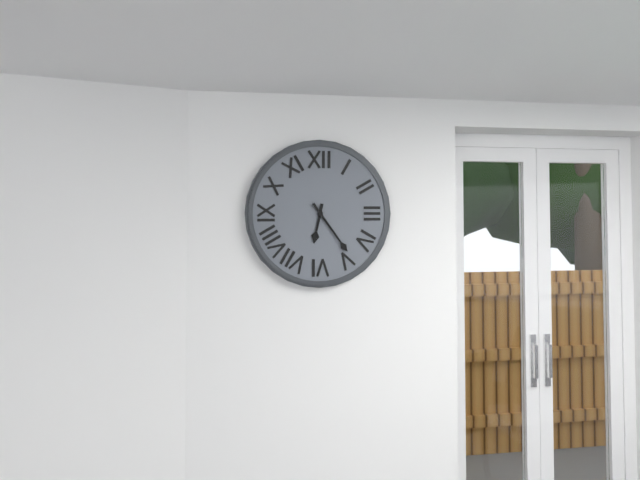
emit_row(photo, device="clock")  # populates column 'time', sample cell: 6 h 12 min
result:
6 h 24 min
